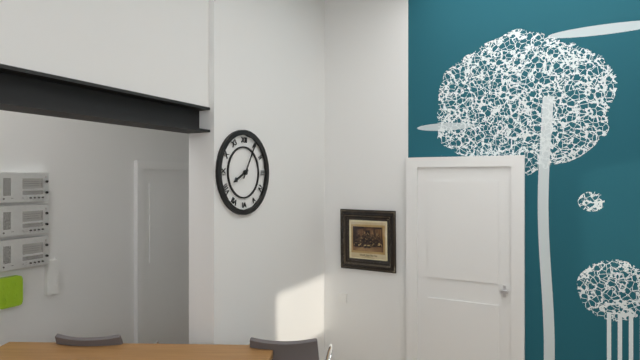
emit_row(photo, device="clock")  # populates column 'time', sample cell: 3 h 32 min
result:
8 h 05 min
